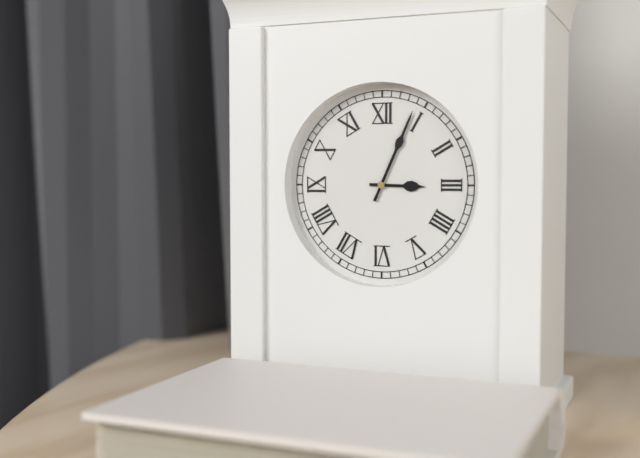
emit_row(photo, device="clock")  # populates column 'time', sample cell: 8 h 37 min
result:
3 h 04 min
